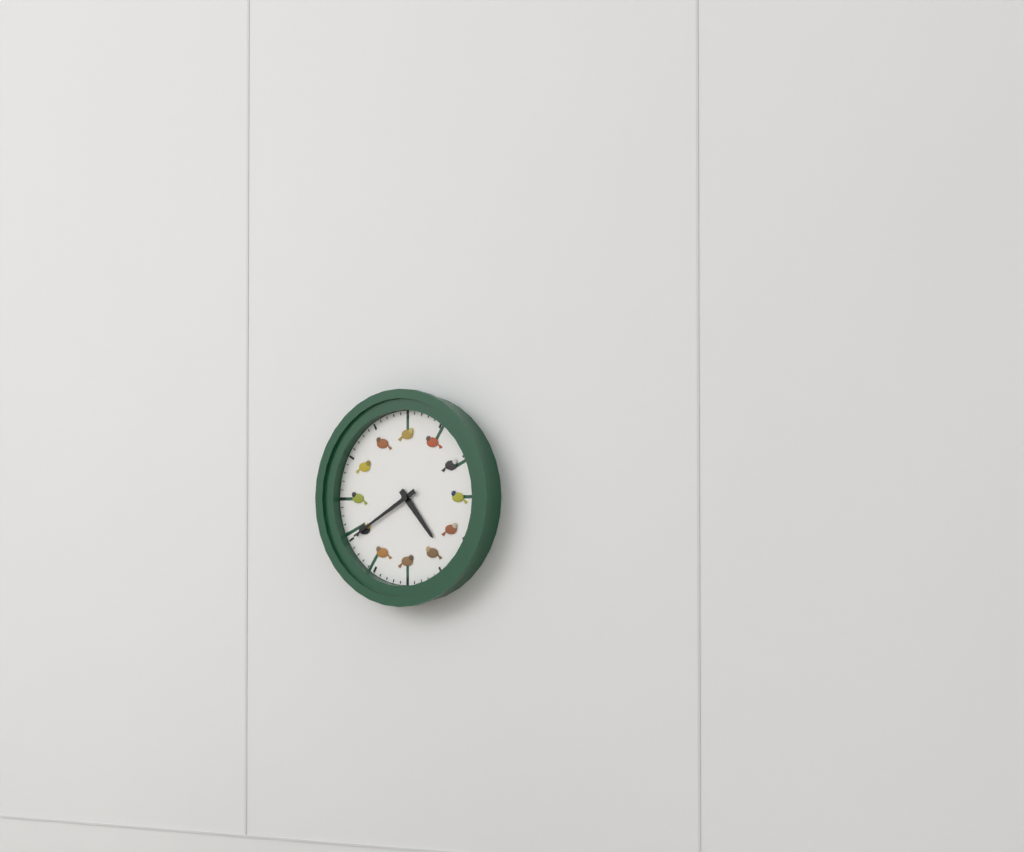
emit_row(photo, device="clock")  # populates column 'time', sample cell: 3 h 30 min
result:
4 h 40 min
